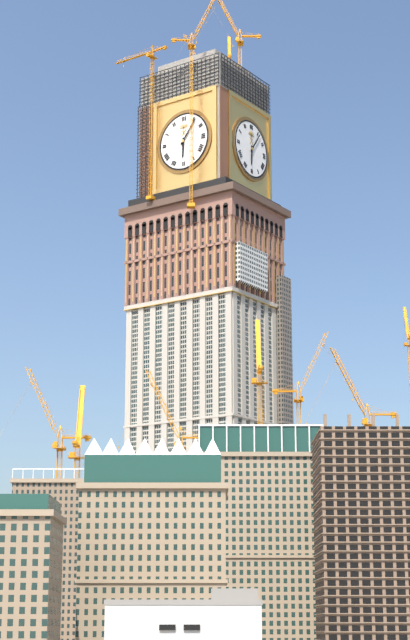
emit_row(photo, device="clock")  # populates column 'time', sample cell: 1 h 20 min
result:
6 h 06 min
